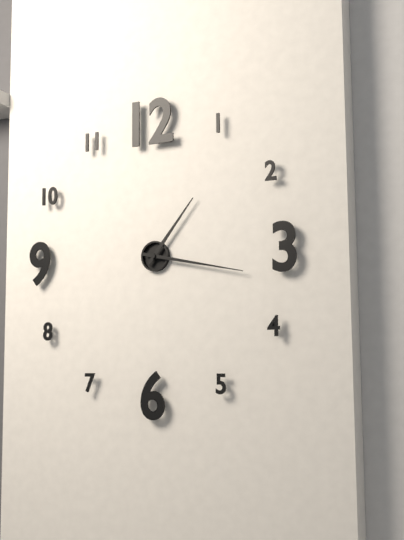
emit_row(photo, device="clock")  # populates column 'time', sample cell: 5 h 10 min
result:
1 h 17 min
